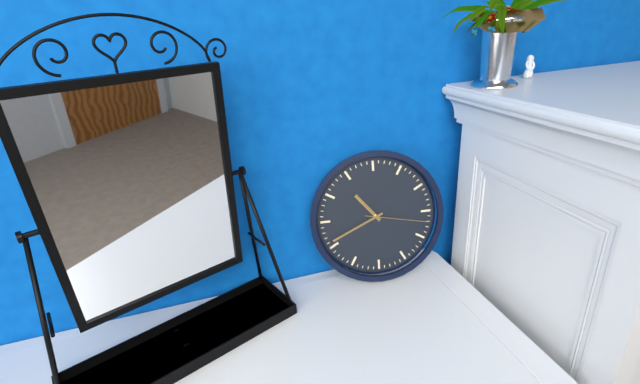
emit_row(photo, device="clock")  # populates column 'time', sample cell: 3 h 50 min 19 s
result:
10 h 41 min 17 s
